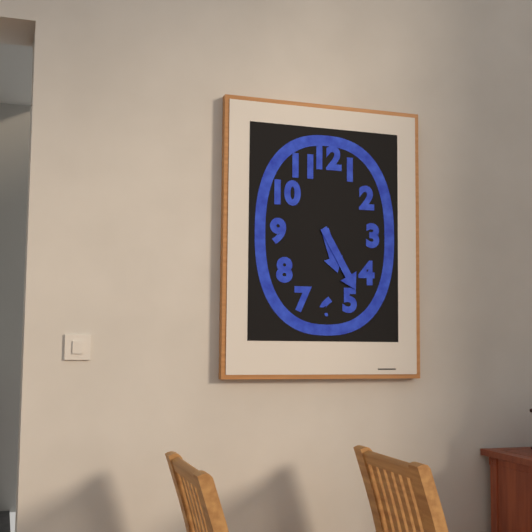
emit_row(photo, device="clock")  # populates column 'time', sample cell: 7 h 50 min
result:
5 h 25 min
